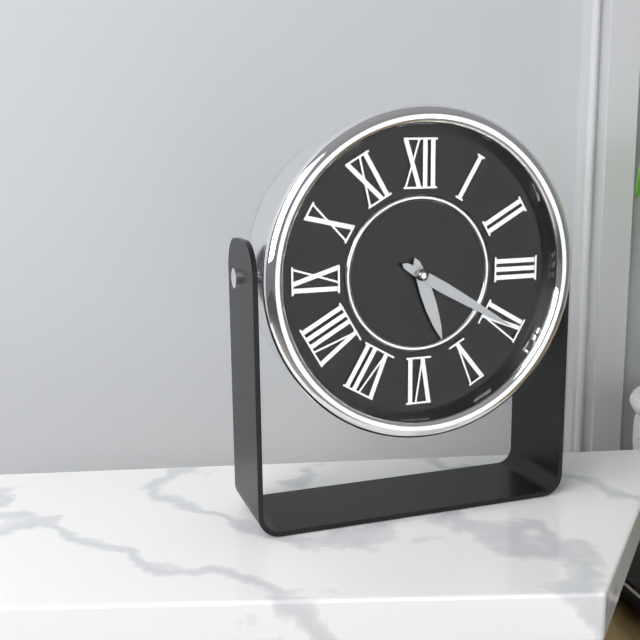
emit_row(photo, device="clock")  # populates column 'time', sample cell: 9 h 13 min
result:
5 h 20 min
